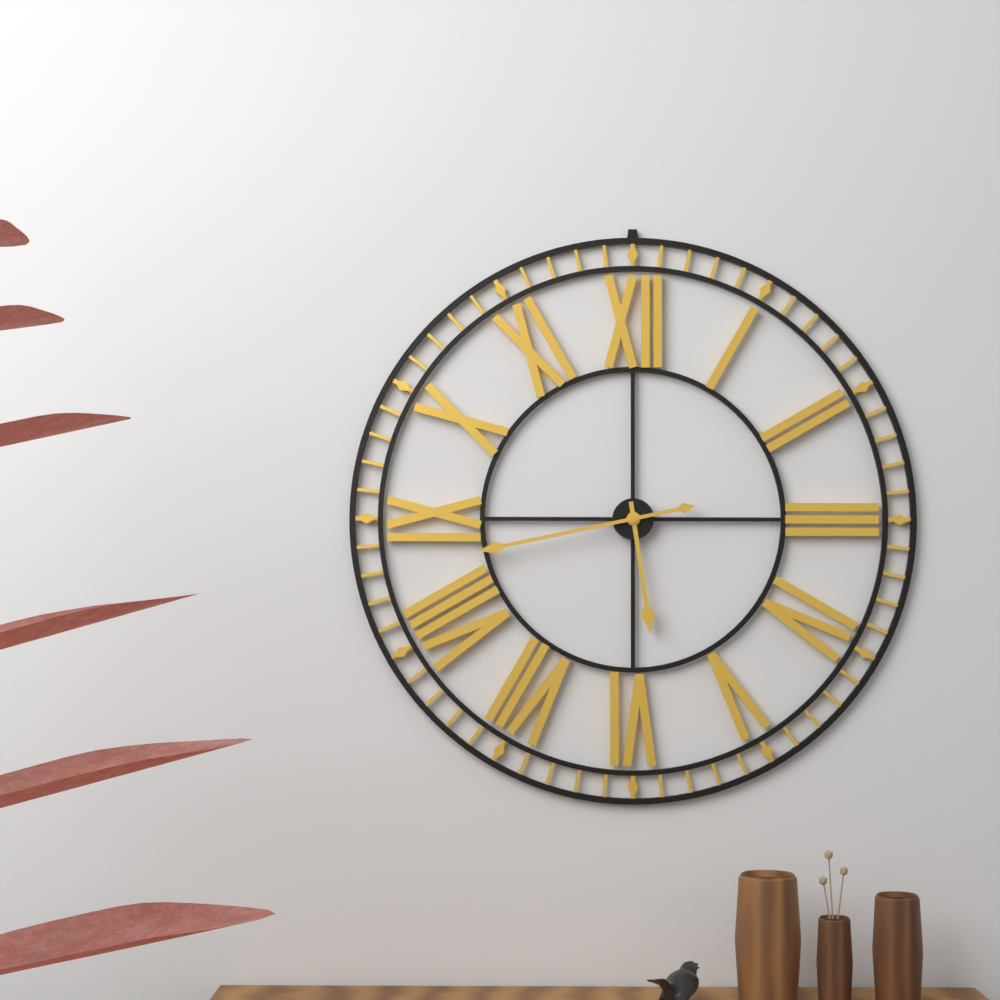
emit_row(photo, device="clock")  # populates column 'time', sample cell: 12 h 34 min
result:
5 h 43 min
